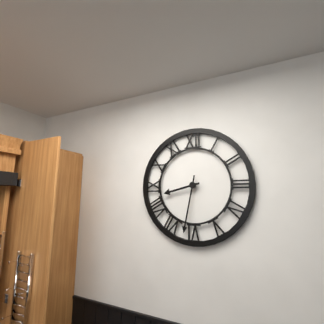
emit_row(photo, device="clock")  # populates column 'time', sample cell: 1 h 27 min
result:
8 h 32 min
